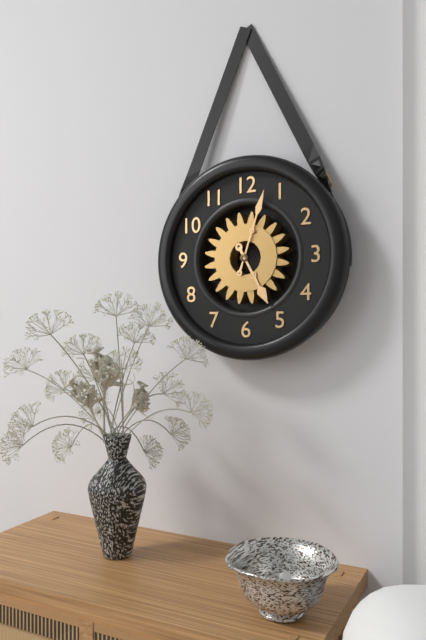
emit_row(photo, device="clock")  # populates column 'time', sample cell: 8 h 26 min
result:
5 h 03 min
